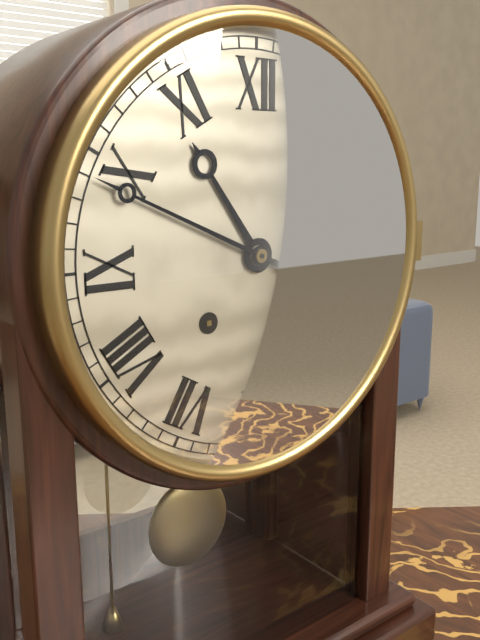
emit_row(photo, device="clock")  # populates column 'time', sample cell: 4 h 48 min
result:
10 h 49 min
